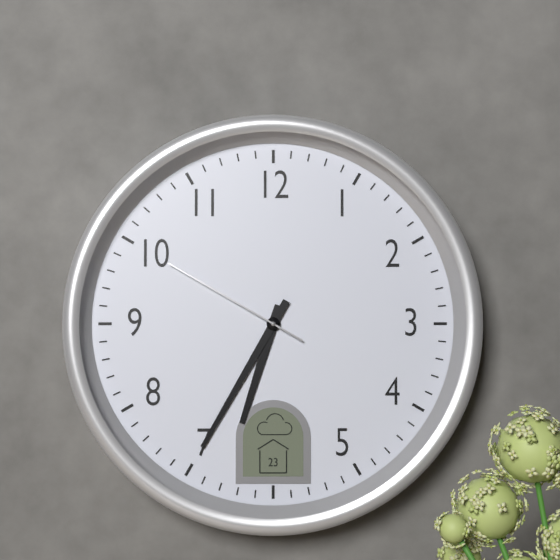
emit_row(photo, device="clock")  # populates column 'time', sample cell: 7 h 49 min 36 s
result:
6 h 35 min 50 s
